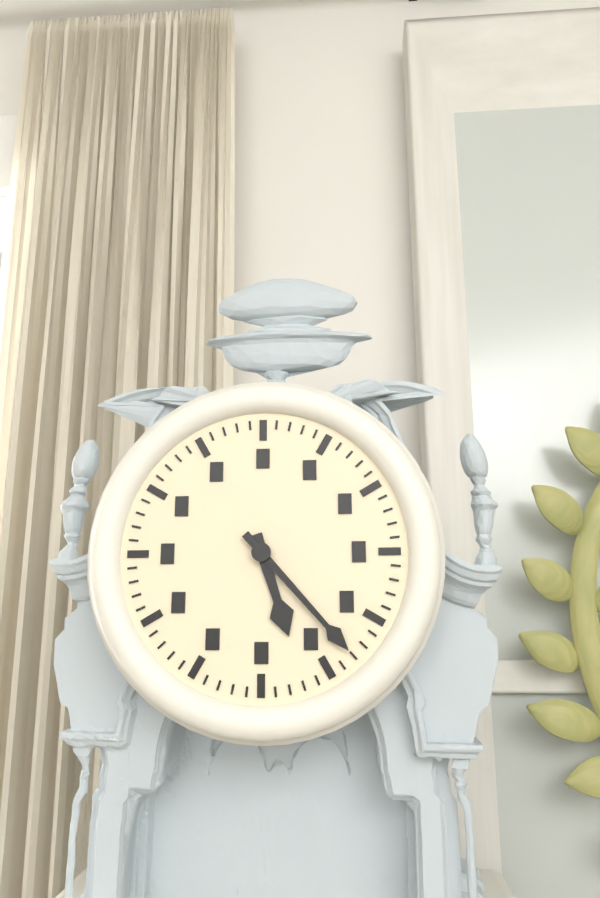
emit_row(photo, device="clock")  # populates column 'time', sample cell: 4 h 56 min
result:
5 h 23 min
